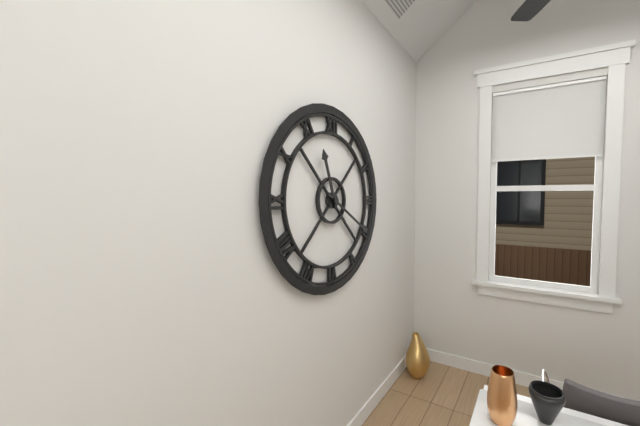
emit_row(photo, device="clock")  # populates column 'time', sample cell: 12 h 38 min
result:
11 h 20 min
